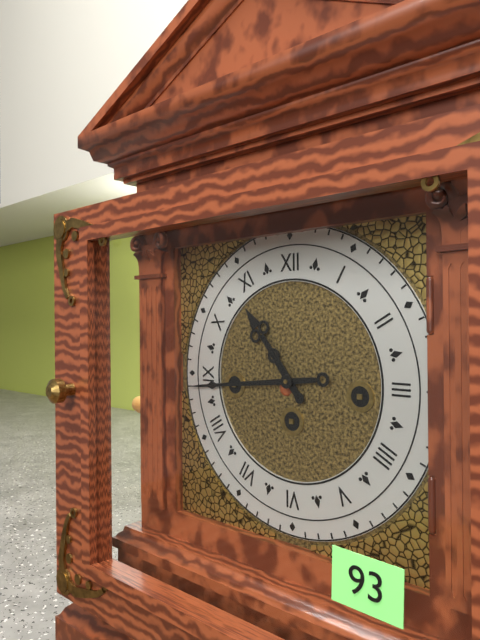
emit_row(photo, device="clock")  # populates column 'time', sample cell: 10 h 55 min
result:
10 h 44 min
